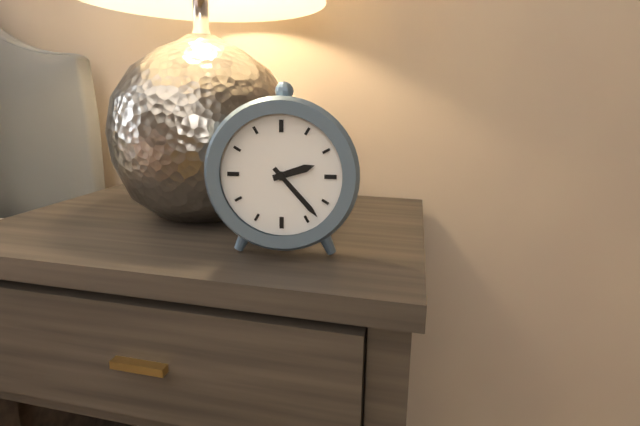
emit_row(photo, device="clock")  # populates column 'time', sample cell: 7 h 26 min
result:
2 h 23 min
